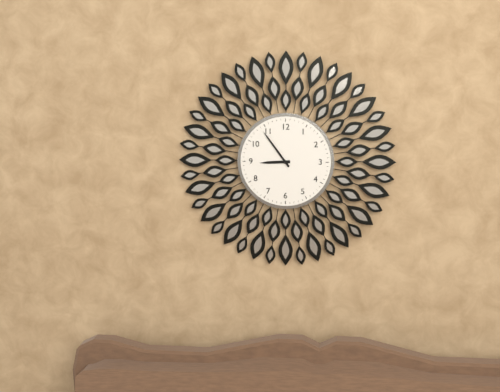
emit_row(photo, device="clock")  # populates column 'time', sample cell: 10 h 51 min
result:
8 h 54 min
